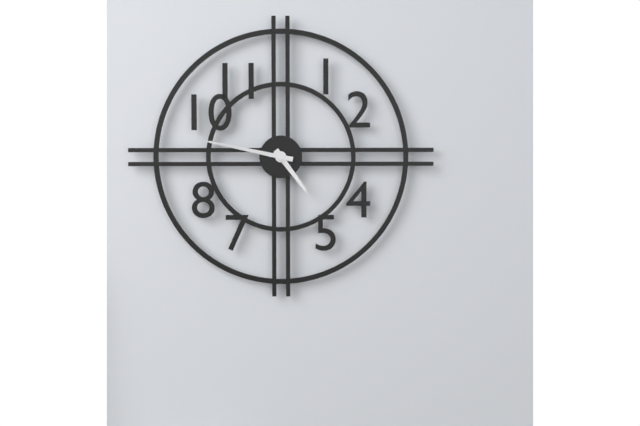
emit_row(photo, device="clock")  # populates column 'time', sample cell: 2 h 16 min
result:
4 h 47 min
